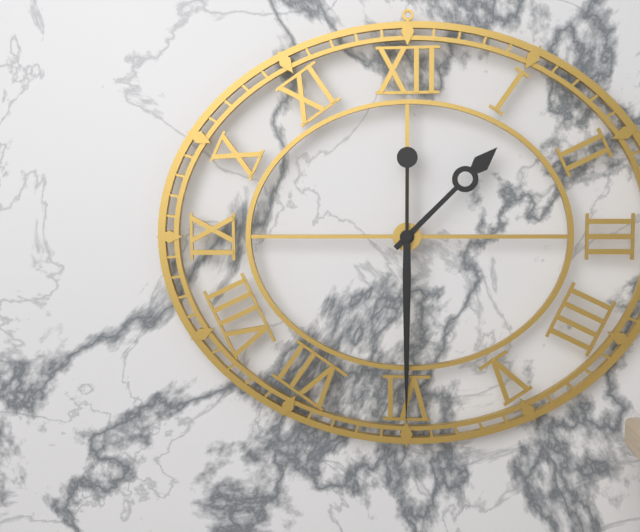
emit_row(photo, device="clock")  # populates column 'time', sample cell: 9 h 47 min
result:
1 h 30 min
